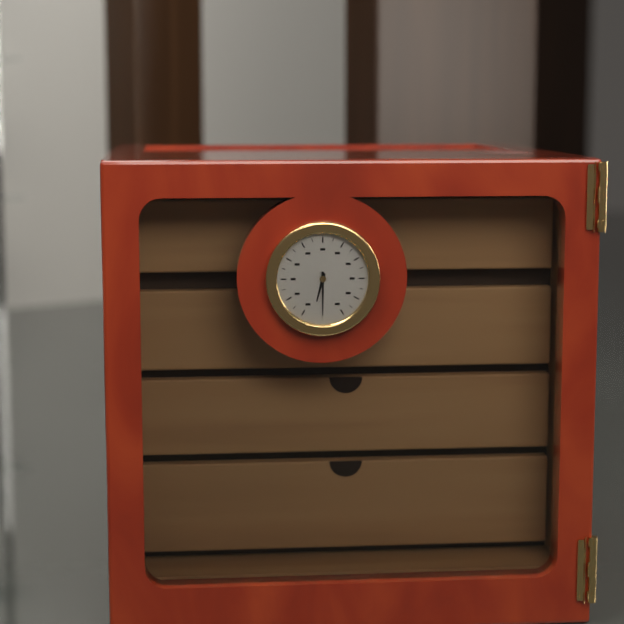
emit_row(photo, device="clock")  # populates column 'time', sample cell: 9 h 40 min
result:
6 h 30 min
